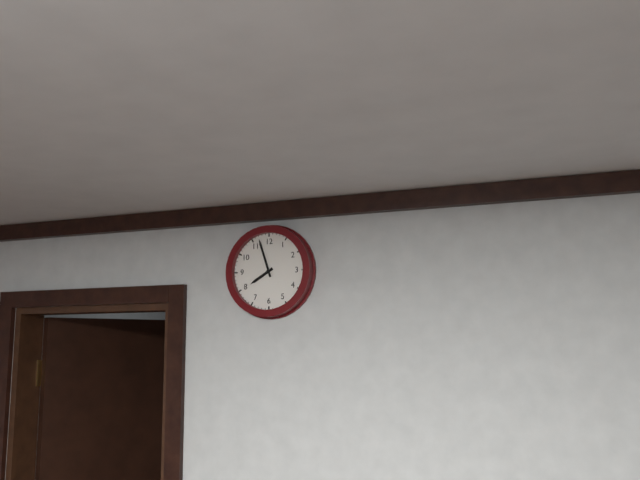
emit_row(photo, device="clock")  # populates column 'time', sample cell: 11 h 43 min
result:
7 h 57 min
